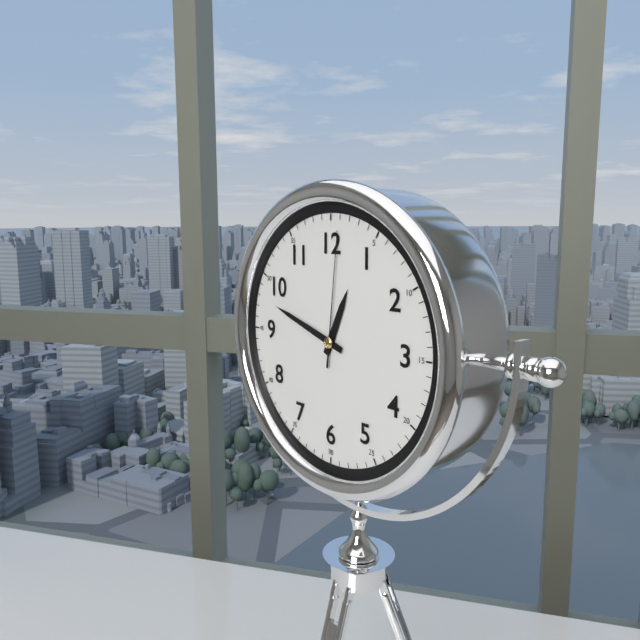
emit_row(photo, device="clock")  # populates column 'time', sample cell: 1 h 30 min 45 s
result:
12 h 48 min 01 s
